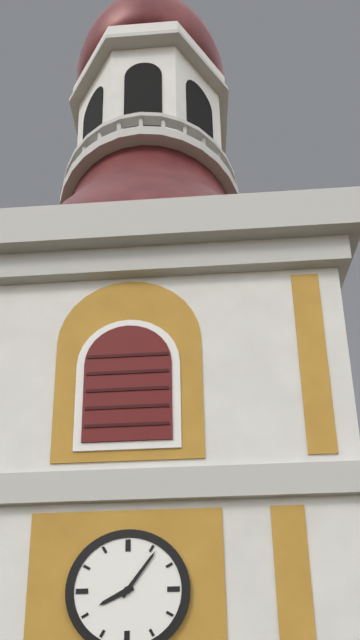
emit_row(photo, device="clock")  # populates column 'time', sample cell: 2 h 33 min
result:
8 h 06 min
